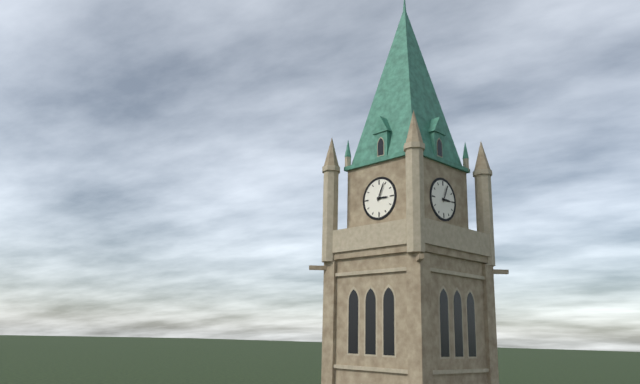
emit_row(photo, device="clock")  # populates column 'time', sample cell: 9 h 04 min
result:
3 h 04 min
